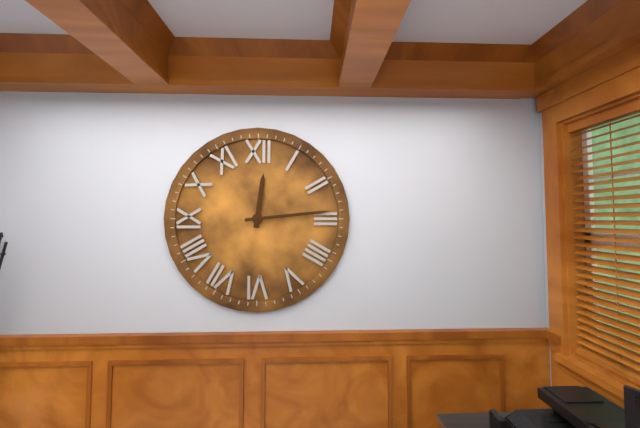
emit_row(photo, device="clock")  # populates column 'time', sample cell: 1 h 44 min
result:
12 h 14 min
